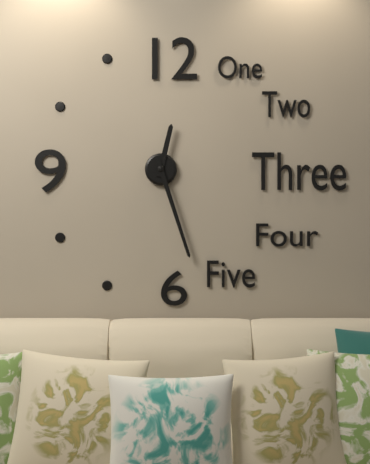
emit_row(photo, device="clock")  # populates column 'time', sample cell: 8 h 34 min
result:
12 h 27 min
